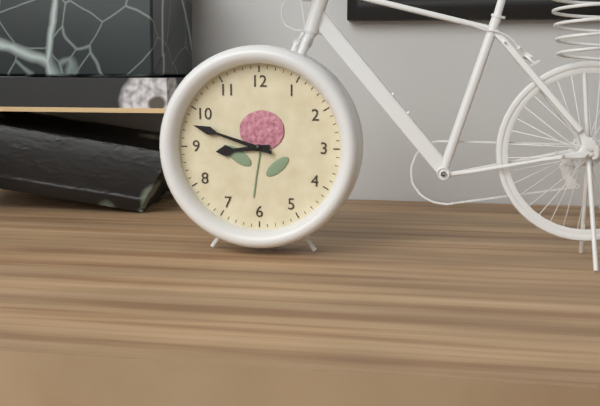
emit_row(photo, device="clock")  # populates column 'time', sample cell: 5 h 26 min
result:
8 h 48 min
